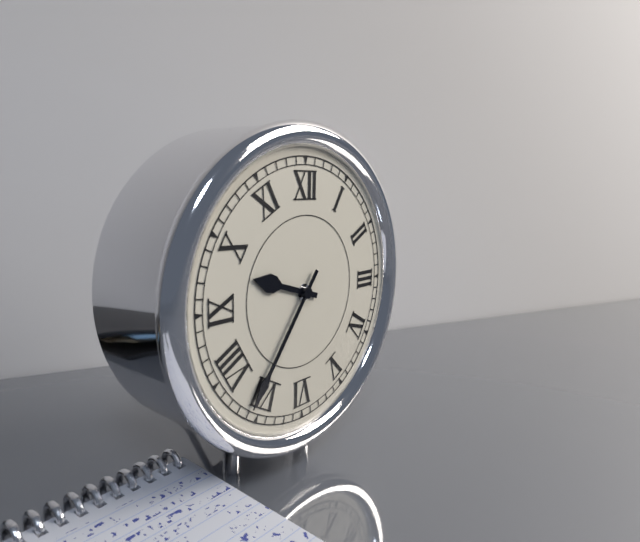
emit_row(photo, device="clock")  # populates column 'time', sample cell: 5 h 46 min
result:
9 h 36 min
